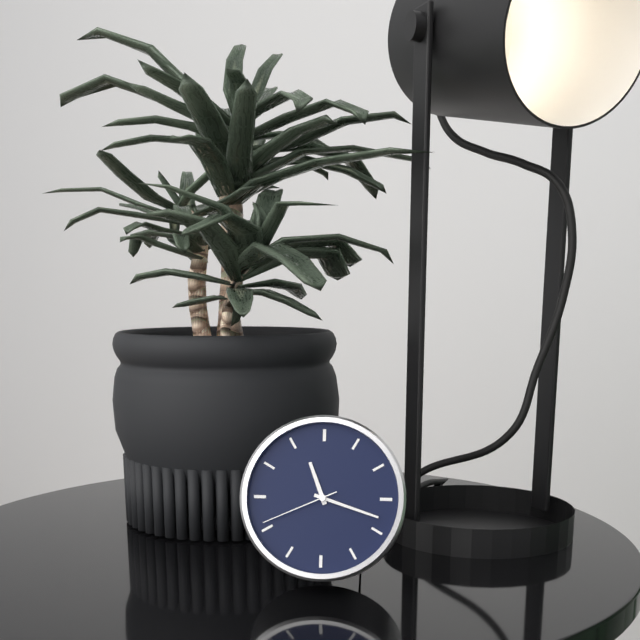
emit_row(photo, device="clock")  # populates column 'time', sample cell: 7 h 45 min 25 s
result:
11 h 18 min 41 s
